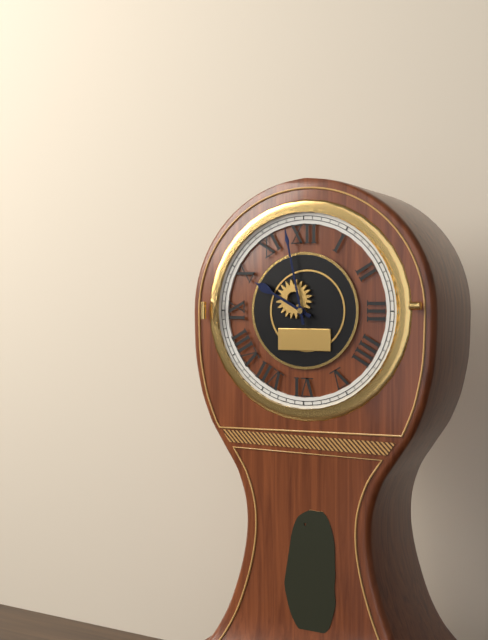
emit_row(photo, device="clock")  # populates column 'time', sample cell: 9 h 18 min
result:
9 h 58 min
